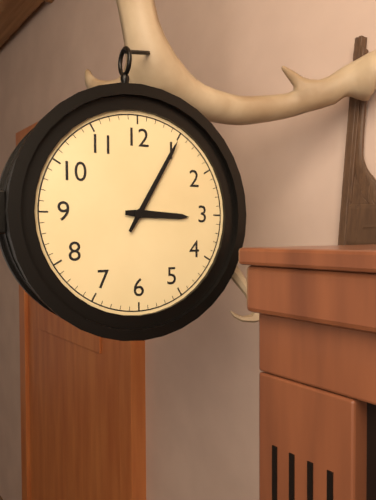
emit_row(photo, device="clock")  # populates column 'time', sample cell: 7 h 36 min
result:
3 h 05 min
